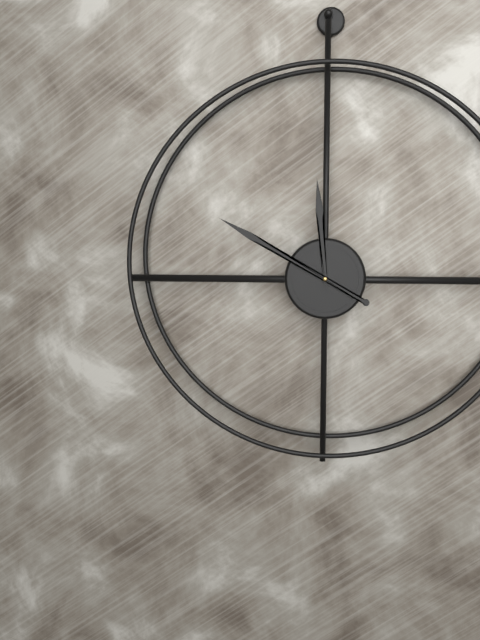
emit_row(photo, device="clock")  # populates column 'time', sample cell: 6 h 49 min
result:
11 h 50 min
